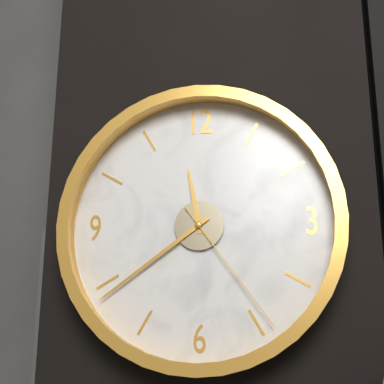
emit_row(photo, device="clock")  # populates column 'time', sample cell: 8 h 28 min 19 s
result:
11 h 39 min 24 s
